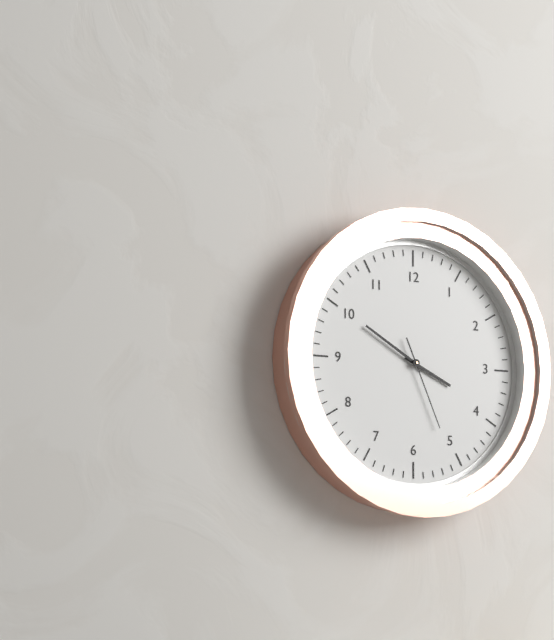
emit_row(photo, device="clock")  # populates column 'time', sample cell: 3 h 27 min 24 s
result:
3 h 50 min 26 s
